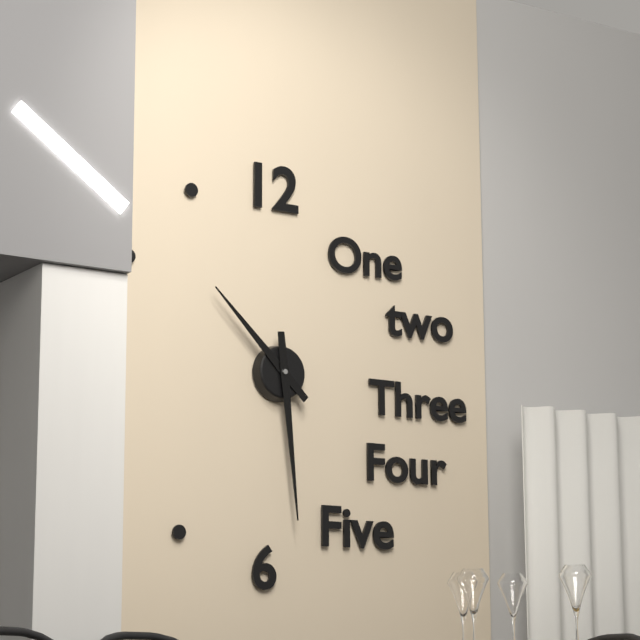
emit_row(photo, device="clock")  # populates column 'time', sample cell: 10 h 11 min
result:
10 h 29 min
